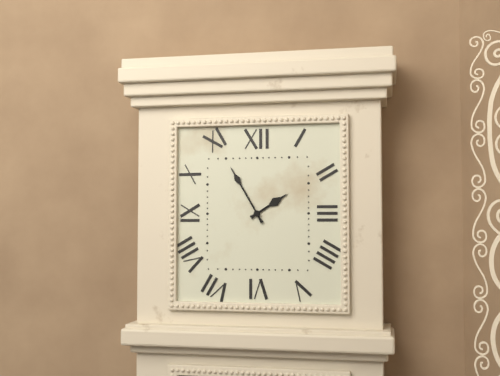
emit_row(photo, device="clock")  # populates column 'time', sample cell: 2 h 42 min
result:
1 h 55 min
